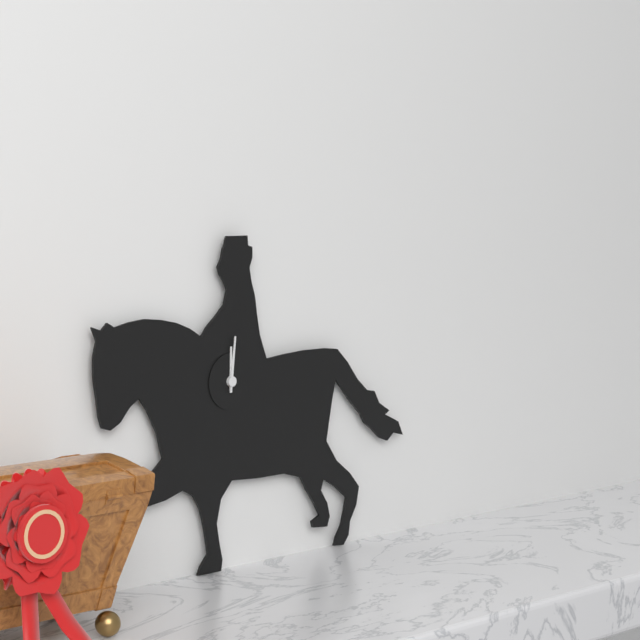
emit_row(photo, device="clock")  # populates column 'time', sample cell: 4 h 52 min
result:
12 h 01 min
